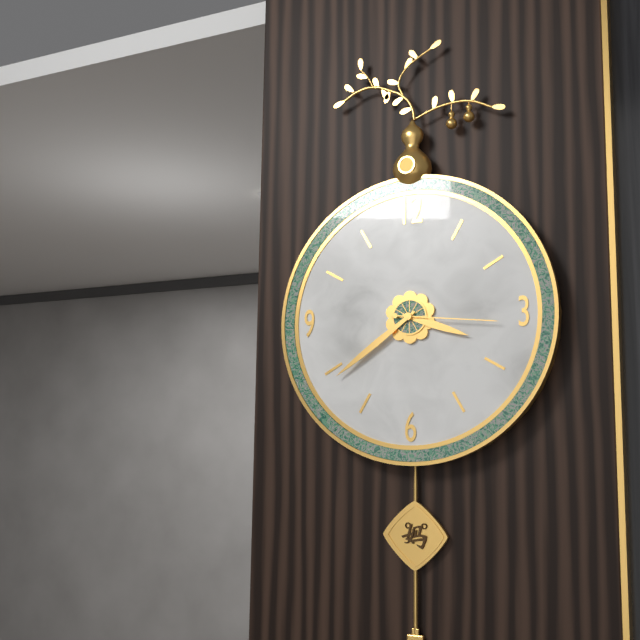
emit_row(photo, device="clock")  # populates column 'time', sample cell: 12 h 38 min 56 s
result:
3 h 39 min 16 s
